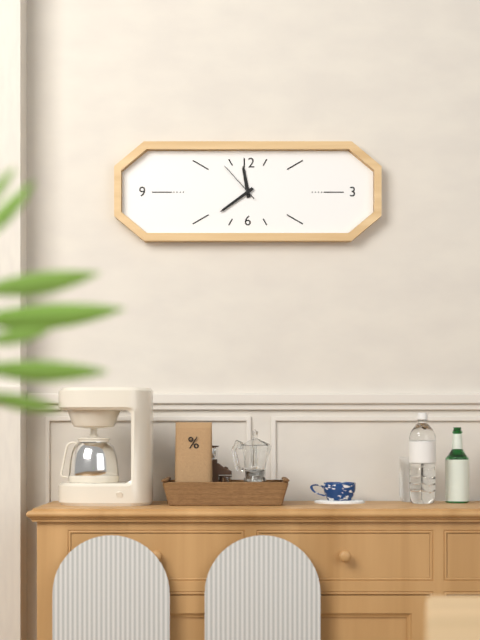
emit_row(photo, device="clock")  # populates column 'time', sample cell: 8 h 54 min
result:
11 h 39 min
